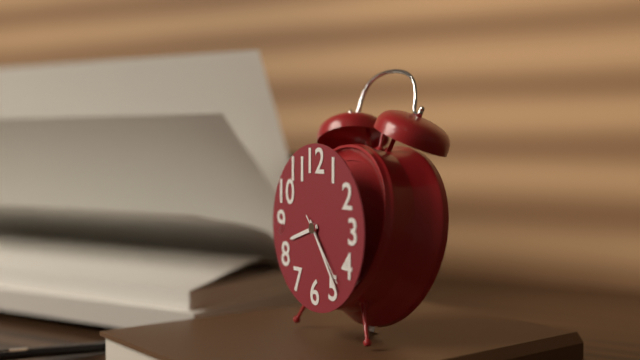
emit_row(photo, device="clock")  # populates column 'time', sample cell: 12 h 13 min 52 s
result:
8 h 24 min 23 s
